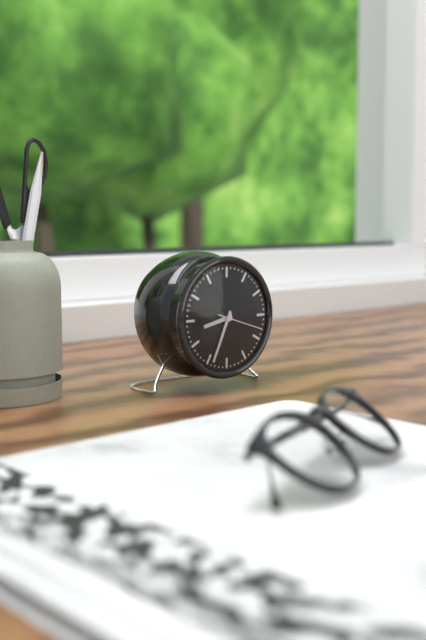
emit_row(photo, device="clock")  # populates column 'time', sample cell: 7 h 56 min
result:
8 h 34 min
